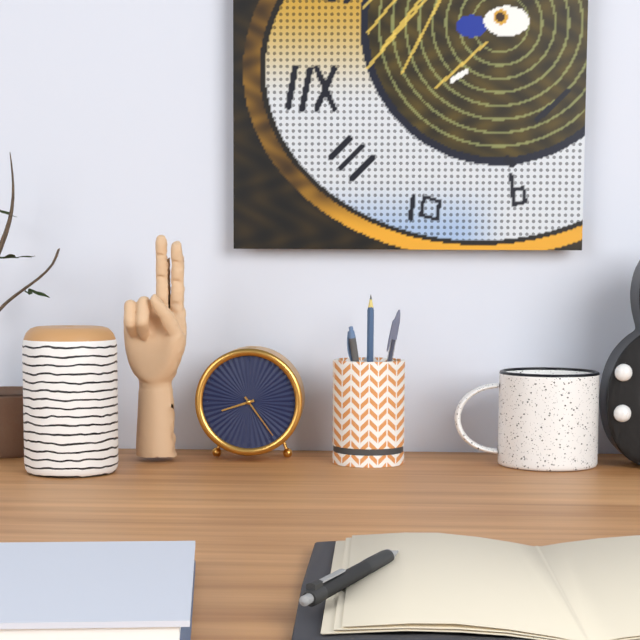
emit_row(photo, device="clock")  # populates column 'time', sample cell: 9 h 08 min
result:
8 h 24 min
